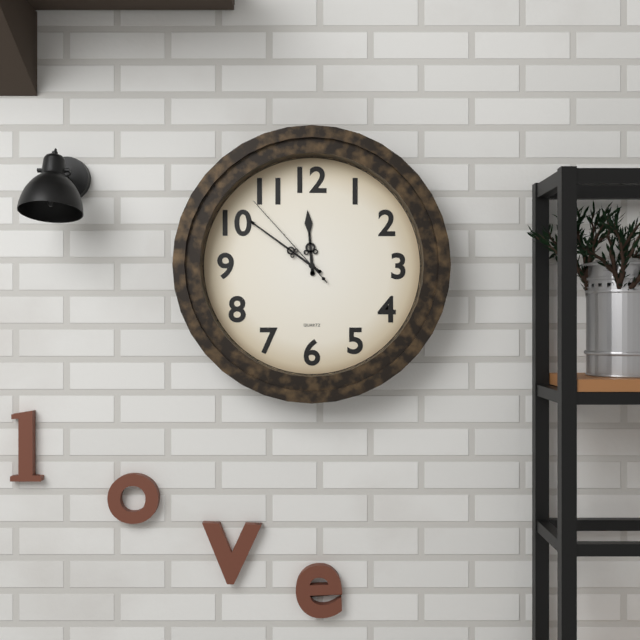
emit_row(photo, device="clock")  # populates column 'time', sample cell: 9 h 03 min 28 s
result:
11 h 51 min 53 s
